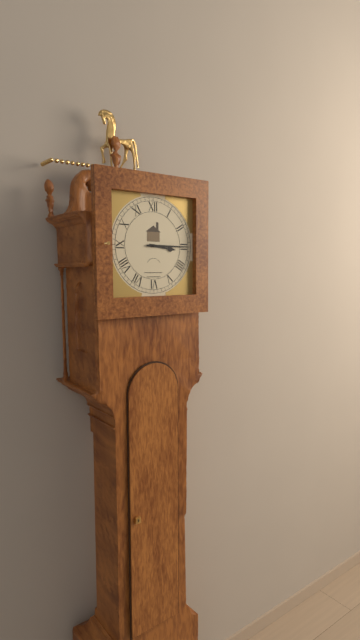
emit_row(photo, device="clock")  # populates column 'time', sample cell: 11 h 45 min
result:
3 h 15 min
